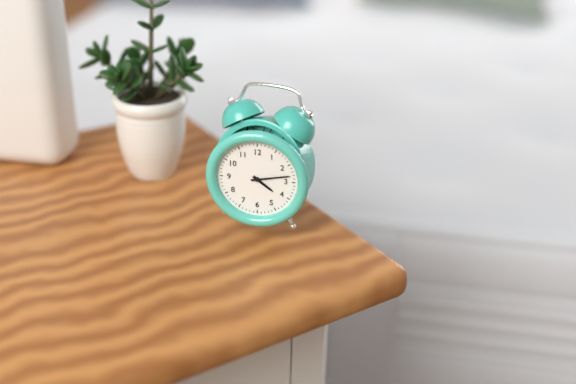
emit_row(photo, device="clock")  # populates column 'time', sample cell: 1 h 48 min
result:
4 h 13 min
